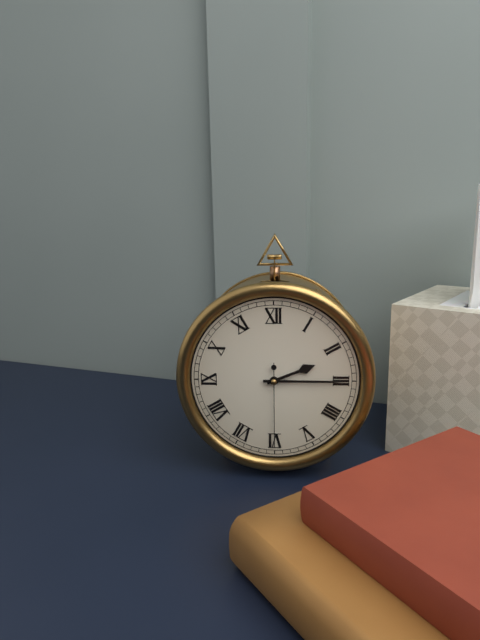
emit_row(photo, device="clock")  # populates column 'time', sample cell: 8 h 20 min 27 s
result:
2 h 15 min 30 s
